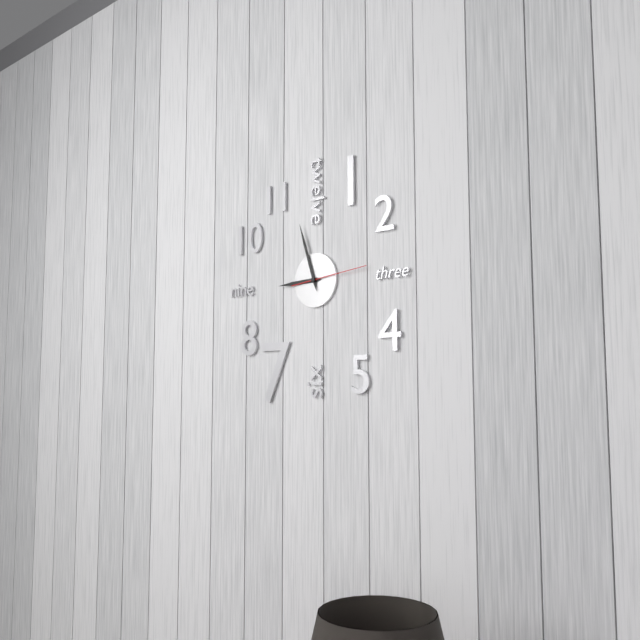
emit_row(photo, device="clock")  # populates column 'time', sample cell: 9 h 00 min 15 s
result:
8 h 57 min 14 s
